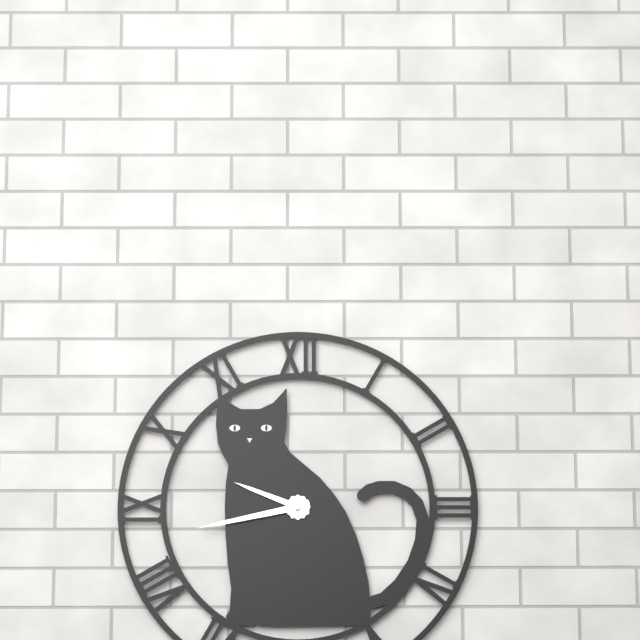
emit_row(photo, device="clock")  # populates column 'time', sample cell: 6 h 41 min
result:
9 h 43 min
